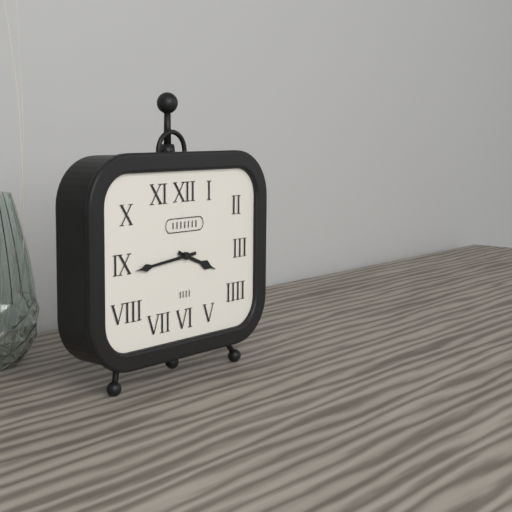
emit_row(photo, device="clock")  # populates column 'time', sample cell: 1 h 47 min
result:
3 h 44 min
